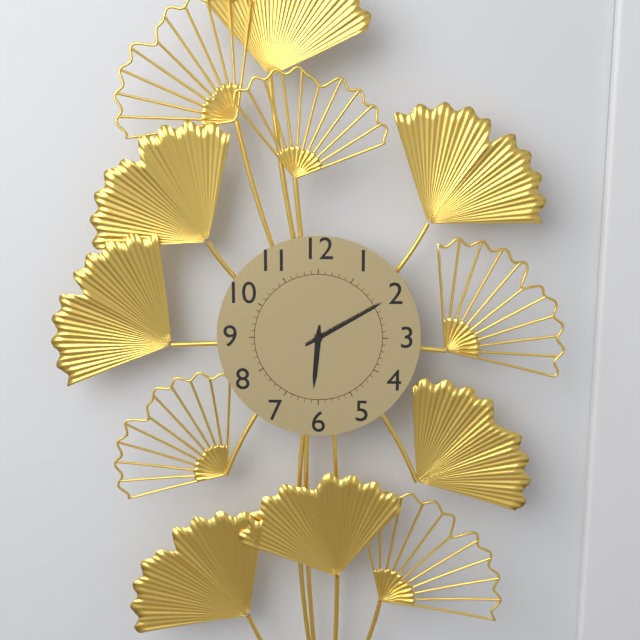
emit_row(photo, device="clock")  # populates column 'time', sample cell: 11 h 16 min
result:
6 h 10 min
